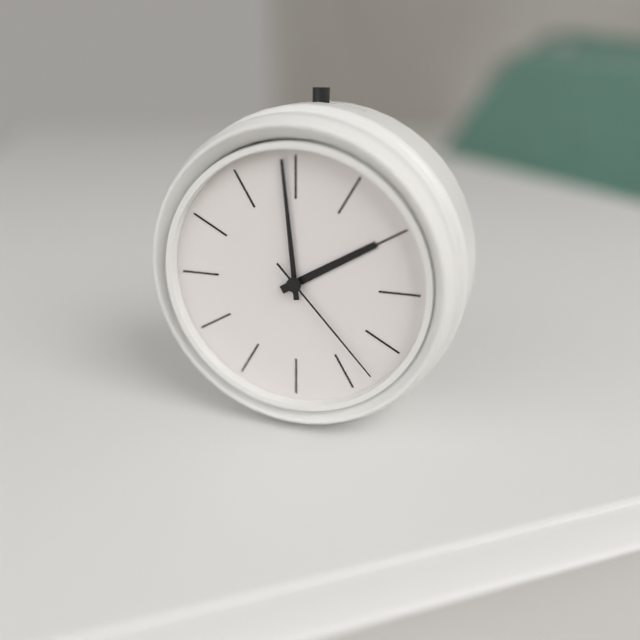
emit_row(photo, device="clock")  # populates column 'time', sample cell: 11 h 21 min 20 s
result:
1 h 59 min 23 s
